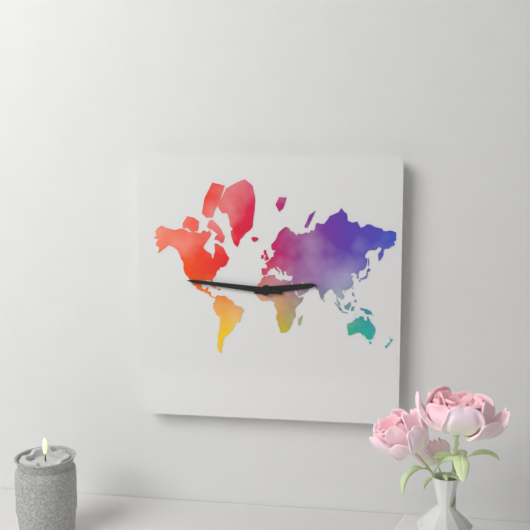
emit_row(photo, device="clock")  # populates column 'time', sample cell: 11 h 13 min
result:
2 h 46 min
